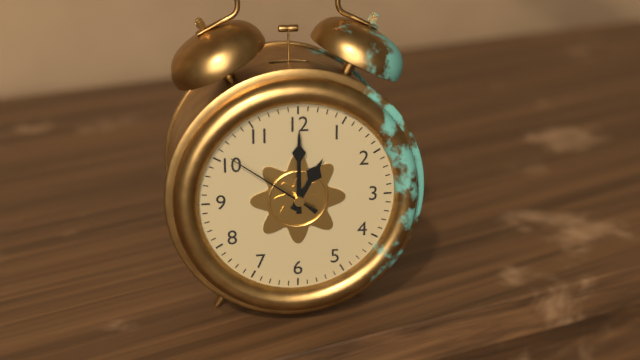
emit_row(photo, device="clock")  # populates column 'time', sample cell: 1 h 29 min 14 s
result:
1 h 00 min 51 s
